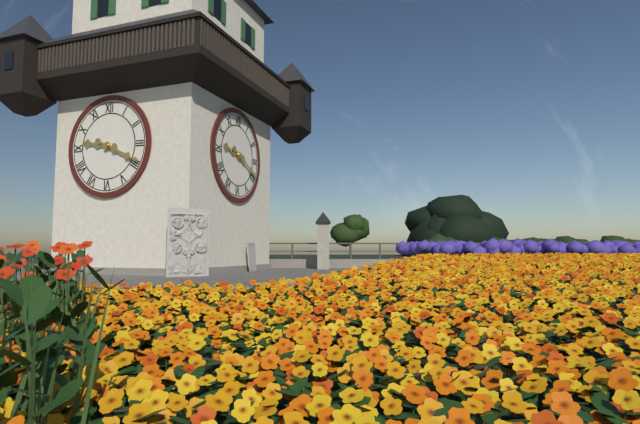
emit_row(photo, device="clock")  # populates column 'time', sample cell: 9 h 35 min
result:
9 h 19 min
